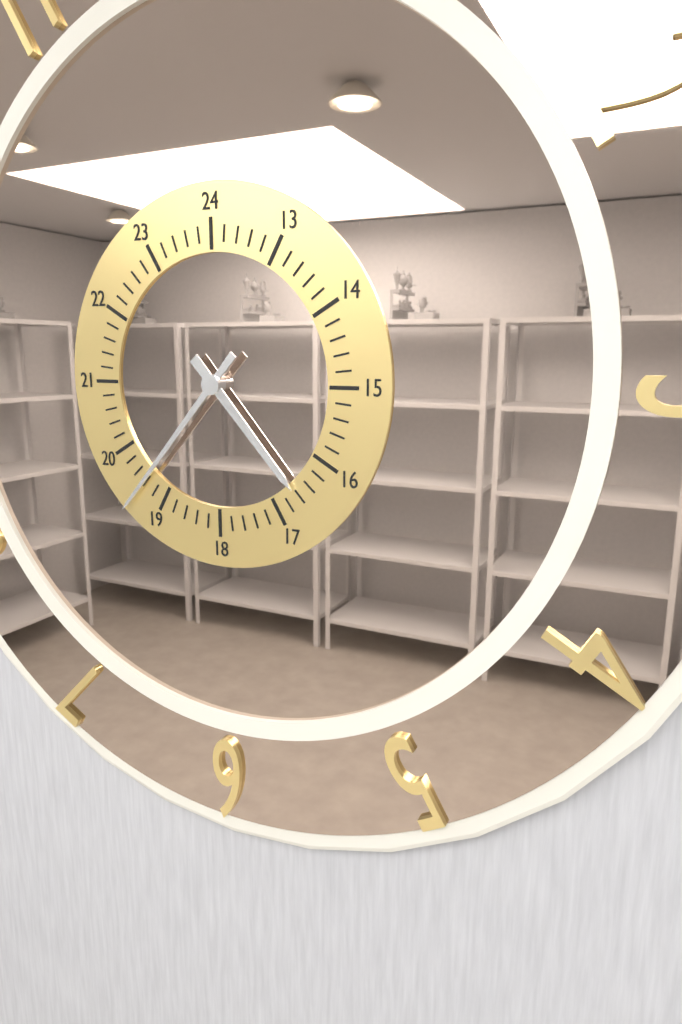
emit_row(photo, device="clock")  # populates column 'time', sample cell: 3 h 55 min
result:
4 h 37 min
